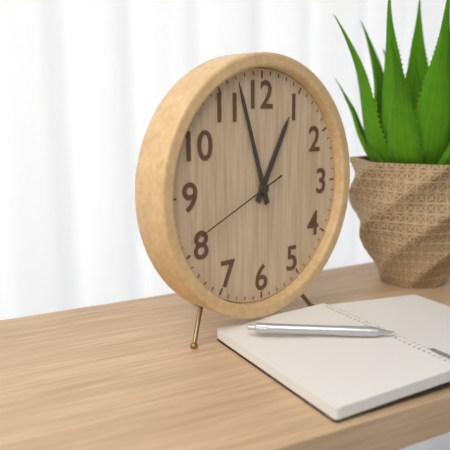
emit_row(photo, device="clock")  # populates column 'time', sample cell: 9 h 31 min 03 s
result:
12 h 57 min 41 s
